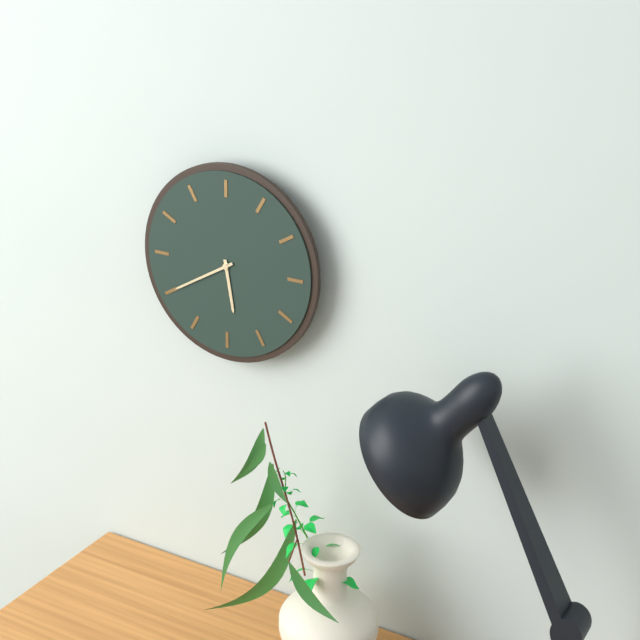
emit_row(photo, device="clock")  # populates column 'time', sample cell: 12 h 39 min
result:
5 h 40 min
